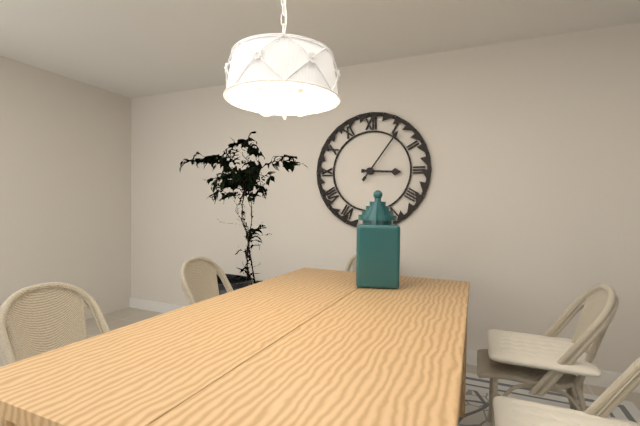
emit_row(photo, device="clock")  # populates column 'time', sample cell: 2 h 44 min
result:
3 h 06 min
